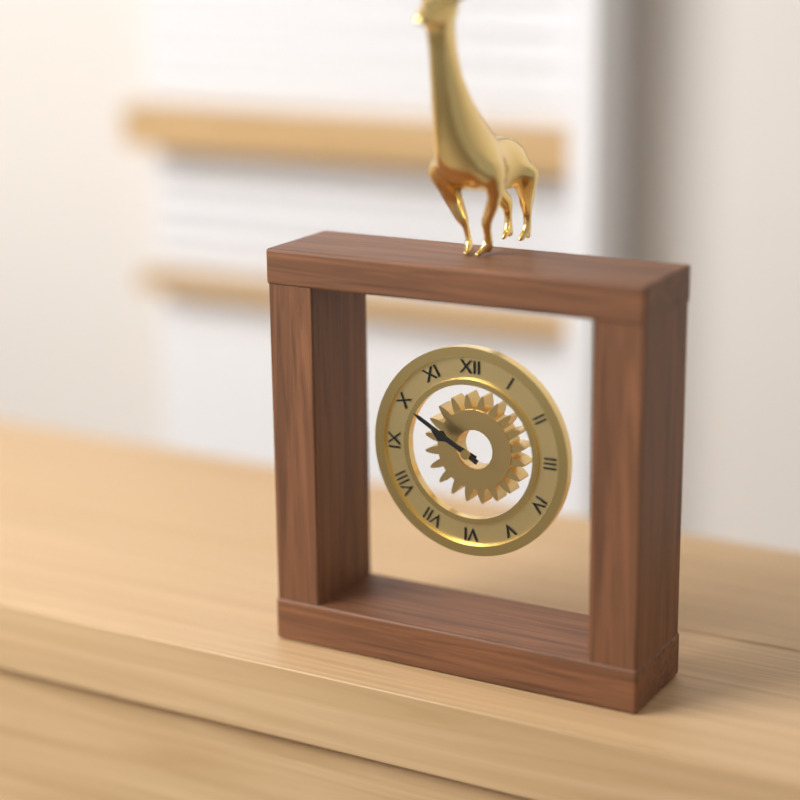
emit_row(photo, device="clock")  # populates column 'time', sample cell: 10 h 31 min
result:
9 h 50 min
